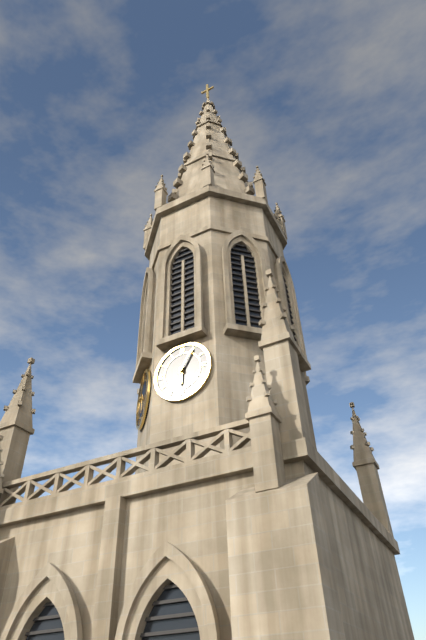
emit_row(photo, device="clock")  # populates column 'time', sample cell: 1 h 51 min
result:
6 h 05 min
